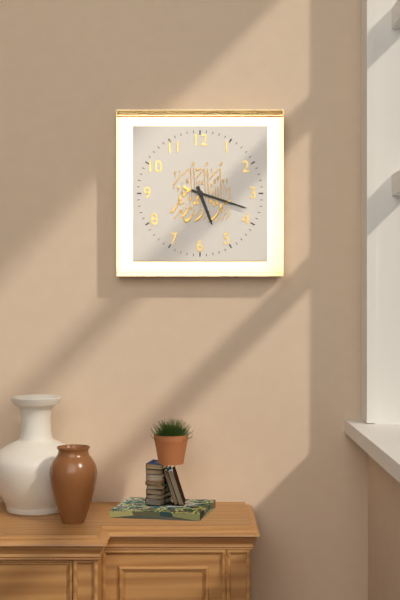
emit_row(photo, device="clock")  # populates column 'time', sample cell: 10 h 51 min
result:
5 h 18 min
